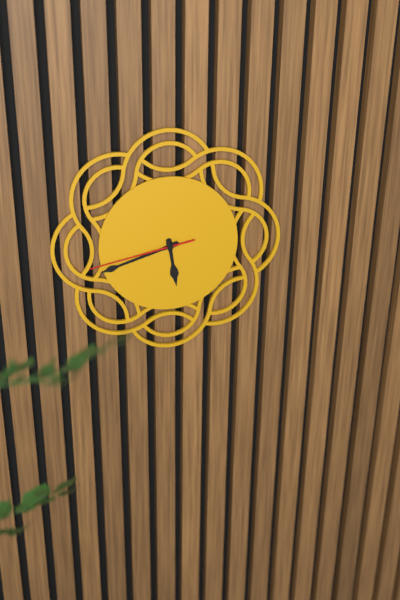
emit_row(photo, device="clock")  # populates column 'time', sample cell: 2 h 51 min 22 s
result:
5 h 42 min 43 s
